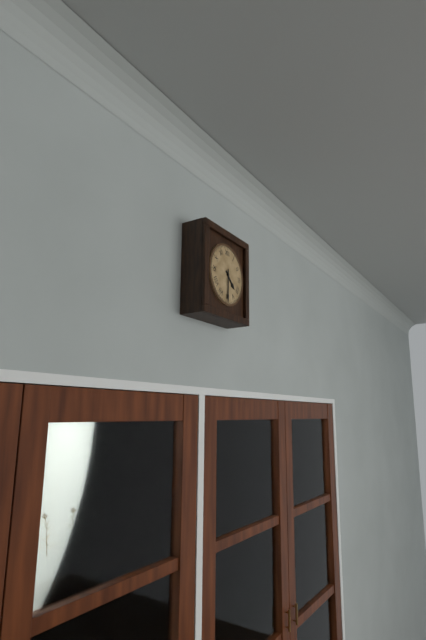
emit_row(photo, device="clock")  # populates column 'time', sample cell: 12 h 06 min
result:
4 h 30 min
